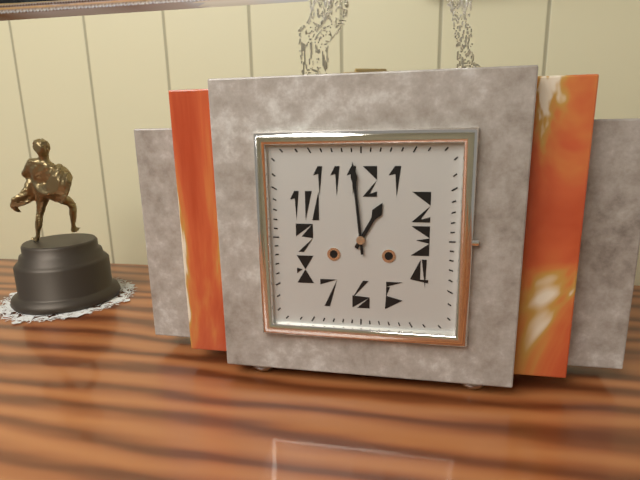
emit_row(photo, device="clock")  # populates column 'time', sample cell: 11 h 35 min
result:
12 h 59 min
